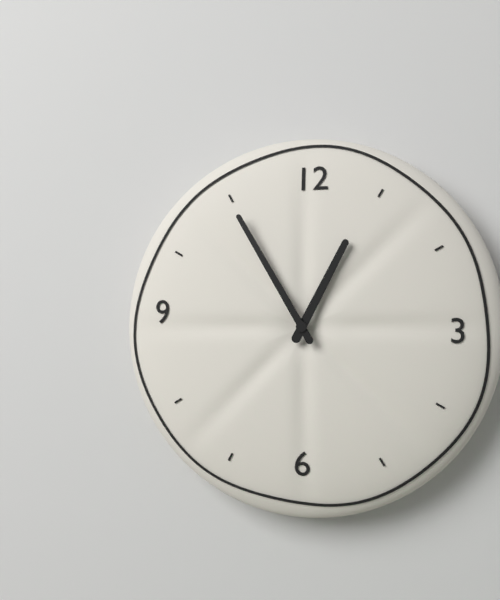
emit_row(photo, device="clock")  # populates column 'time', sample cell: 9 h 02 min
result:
12 h 55 min
